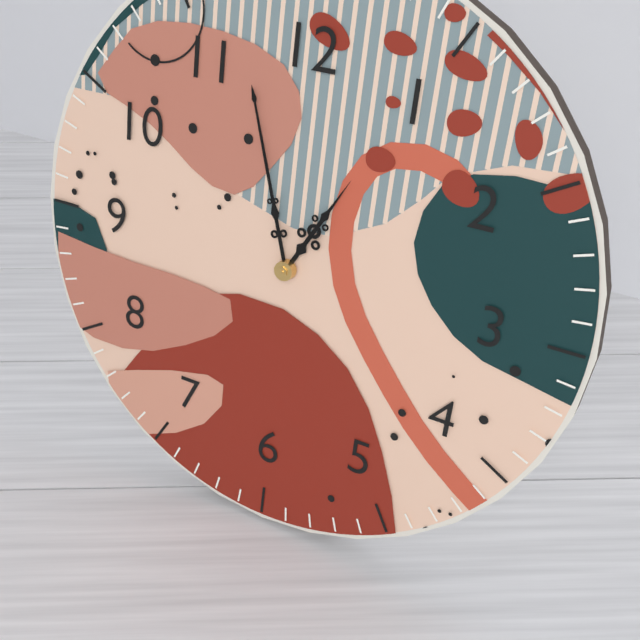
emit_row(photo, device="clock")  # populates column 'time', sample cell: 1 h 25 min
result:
12 h 57 min
